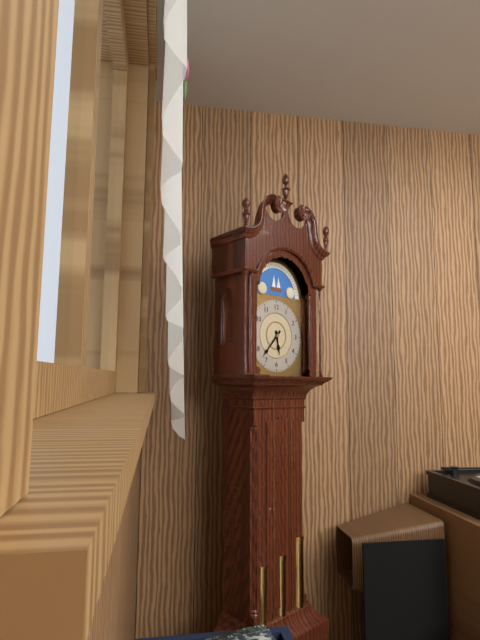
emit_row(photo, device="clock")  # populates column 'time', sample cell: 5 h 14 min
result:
5 h 37 min
